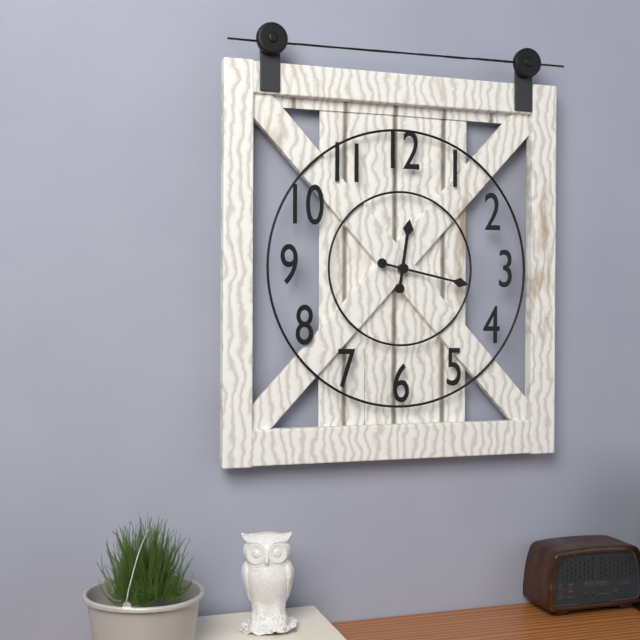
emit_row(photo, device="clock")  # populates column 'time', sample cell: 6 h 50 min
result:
12 h 17 min
